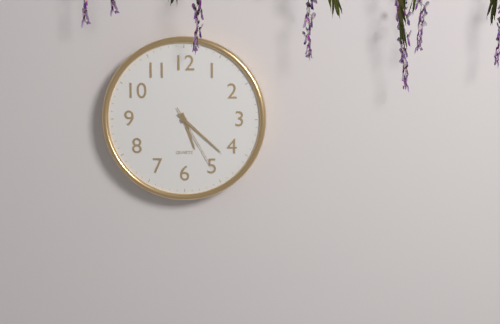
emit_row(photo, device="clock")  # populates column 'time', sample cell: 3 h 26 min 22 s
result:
5 h 22 min 25 s
